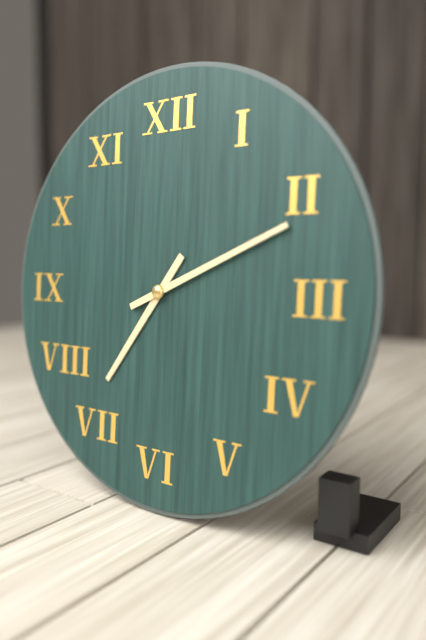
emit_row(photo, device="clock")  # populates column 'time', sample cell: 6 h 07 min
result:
7 h 11 min
